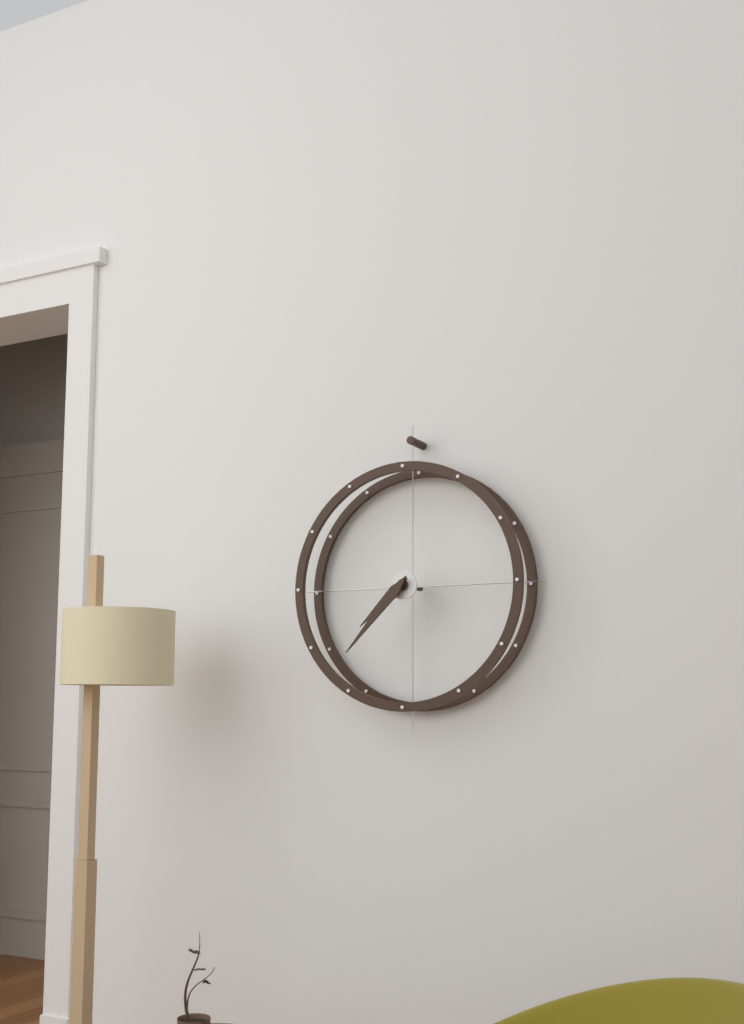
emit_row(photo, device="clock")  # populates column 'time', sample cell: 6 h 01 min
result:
7 h 37 min
